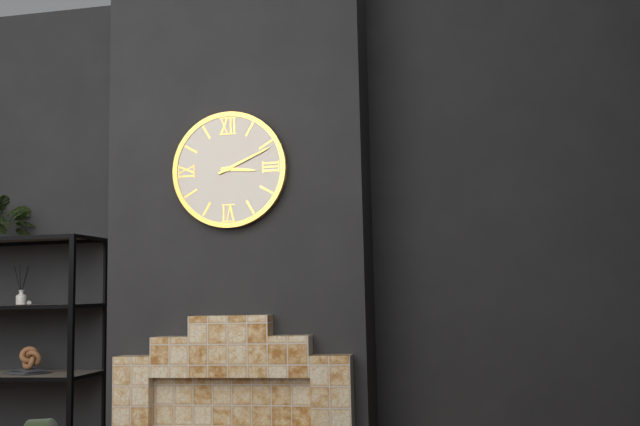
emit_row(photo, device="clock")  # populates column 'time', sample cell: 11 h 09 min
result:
3 h 11 min
